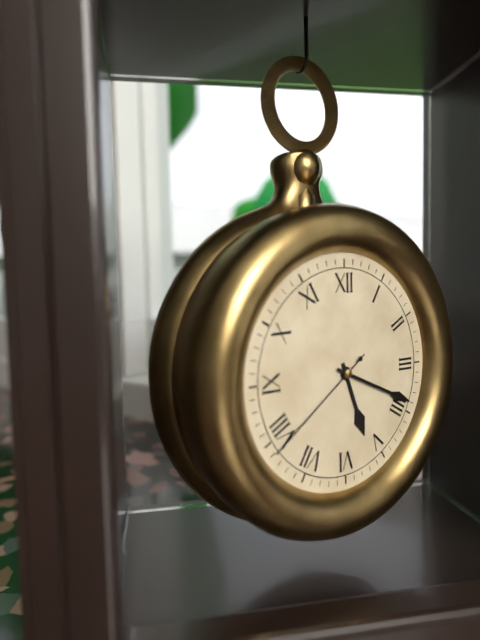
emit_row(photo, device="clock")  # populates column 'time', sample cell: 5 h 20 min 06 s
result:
5 h 19 min 39 s
